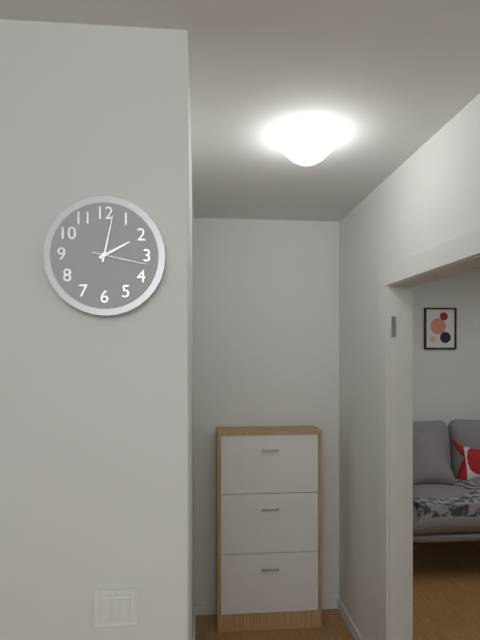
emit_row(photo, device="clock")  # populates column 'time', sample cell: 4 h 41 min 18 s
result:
2 h 02 min 17 s
